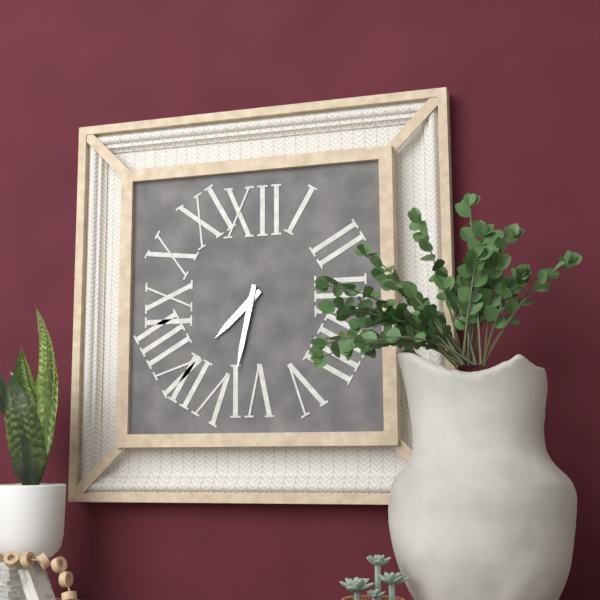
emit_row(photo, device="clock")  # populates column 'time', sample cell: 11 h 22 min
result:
7 h 32 min
